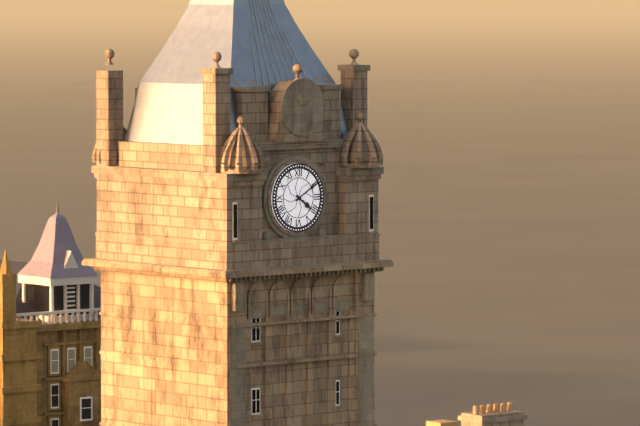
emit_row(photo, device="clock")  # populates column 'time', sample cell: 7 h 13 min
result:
4 h 10 min
